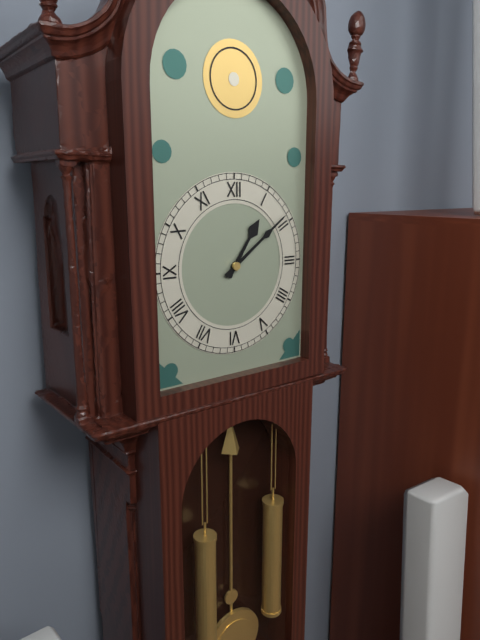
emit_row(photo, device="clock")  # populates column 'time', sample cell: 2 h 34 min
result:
1 h 09 min
